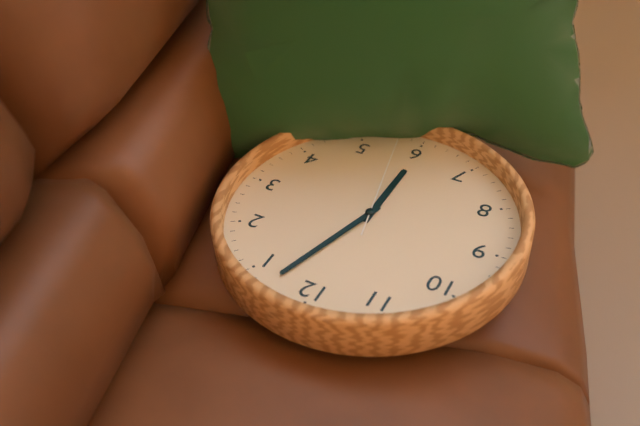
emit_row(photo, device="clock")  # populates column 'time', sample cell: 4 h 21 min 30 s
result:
6 h 03 min 28 s
